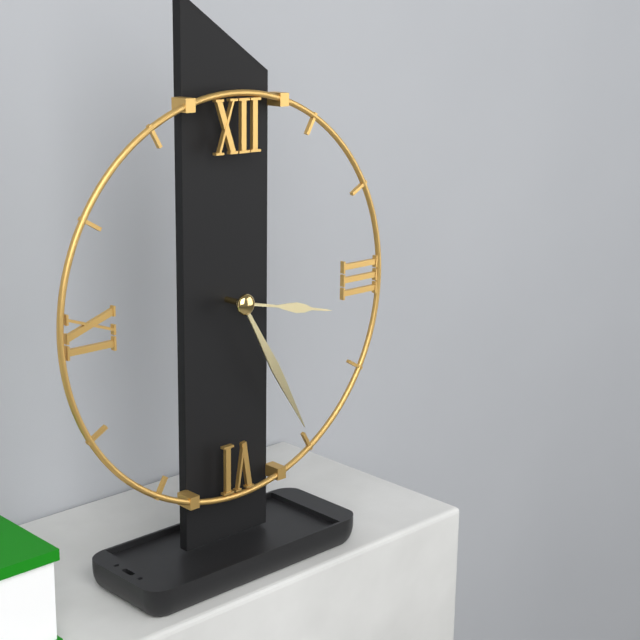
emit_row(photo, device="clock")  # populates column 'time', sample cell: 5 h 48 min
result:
3 h 25 min
